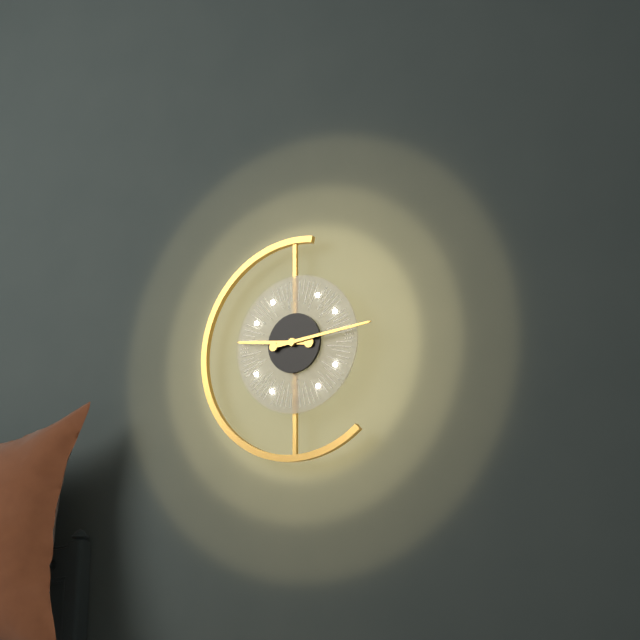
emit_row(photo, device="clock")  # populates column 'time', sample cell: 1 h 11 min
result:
9 h 14 min
